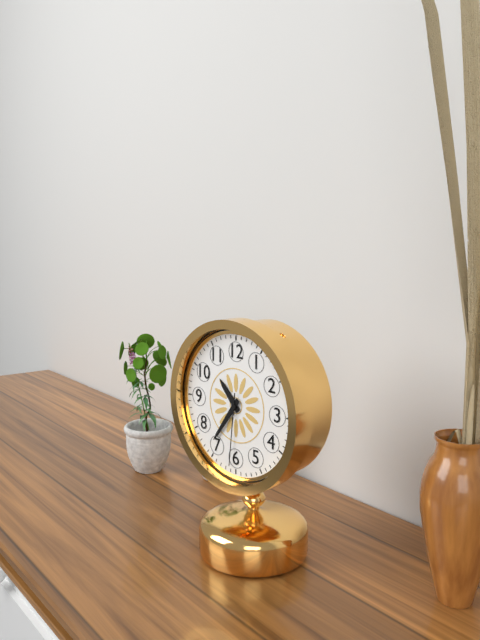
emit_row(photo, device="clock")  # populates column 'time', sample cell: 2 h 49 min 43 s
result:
10 h 36 min 31 s
